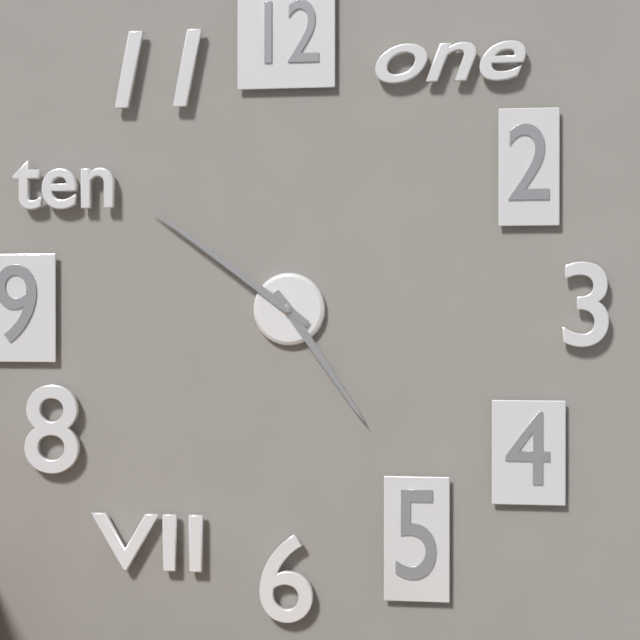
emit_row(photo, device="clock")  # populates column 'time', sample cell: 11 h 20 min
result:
4 h 51 min
